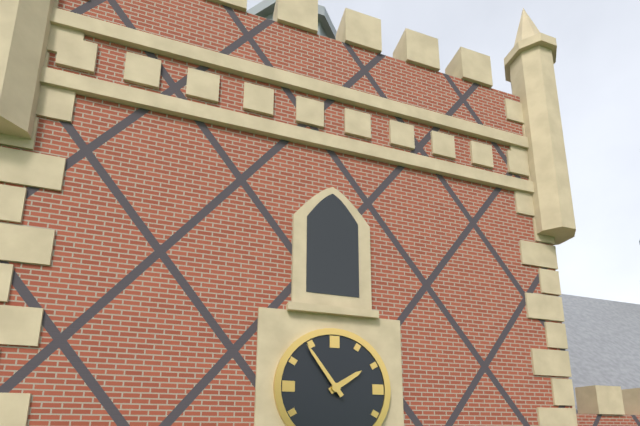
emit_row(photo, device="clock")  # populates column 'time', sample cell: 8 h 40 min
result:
1 h 54 min
